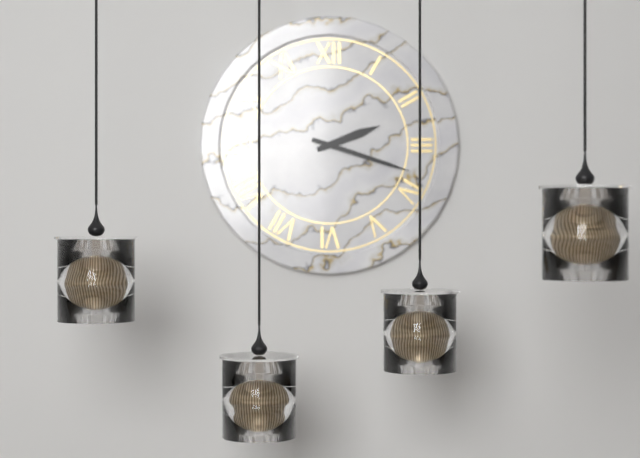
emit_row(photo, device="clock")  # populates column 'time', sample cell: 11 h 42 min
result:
2 h 18 min
